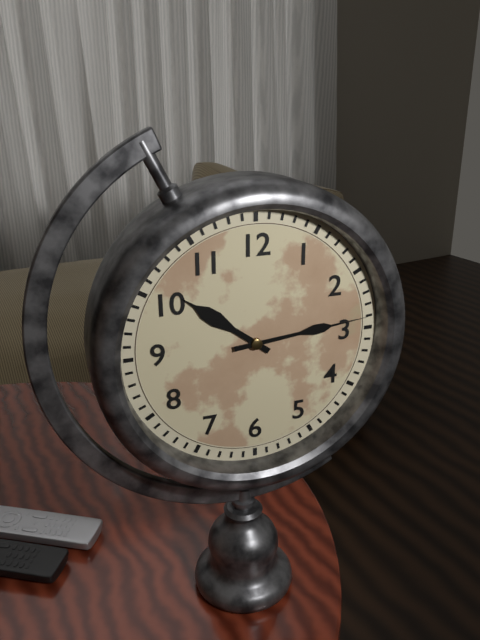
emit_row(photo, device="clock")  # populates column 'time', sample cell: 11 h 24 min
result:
10 h 14 min
